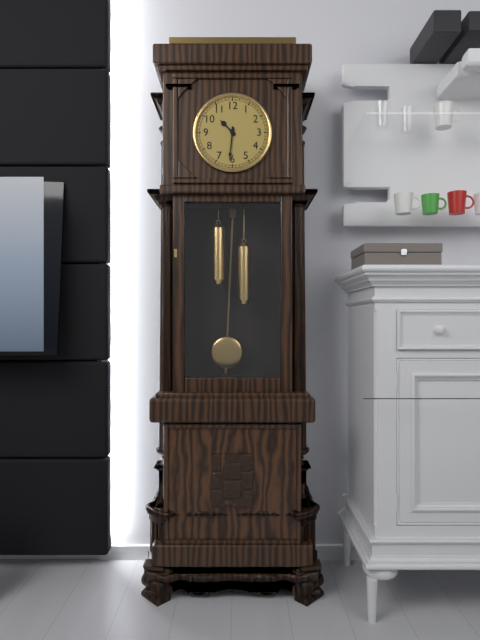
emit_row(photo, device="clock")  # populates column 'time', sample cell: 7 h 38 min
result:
10 h 31 min
